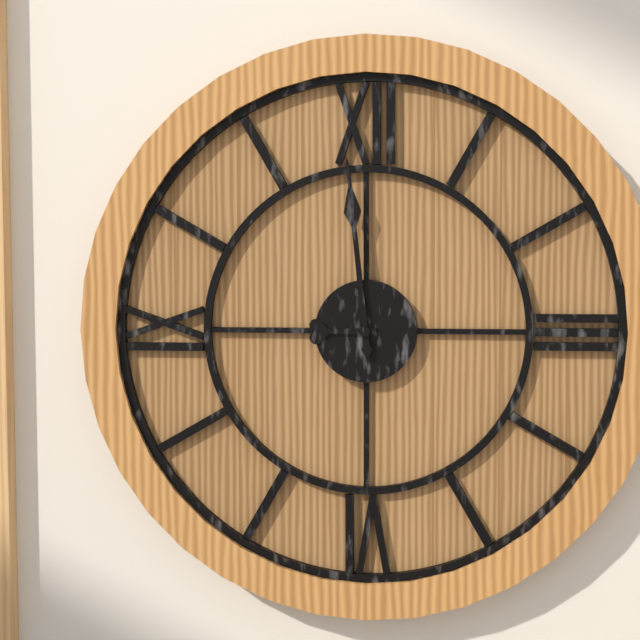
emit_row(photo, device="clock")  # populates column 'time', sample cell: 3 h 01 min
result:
8 h 59 min
